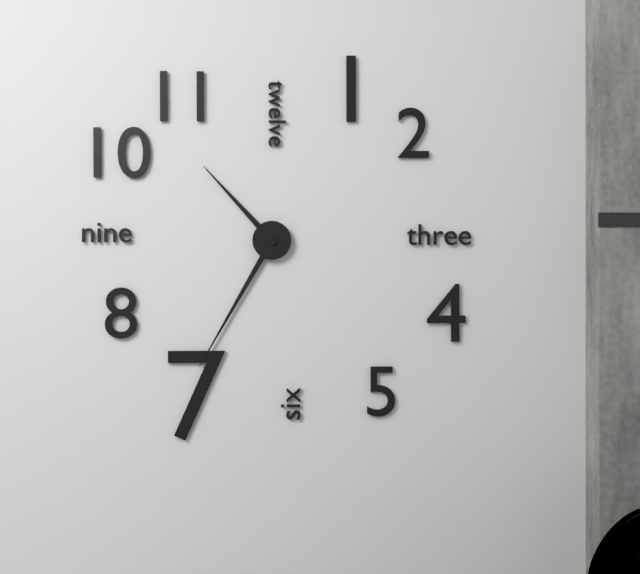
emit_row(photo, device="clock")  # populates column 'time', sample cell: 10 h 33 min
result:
10 h 35 min
